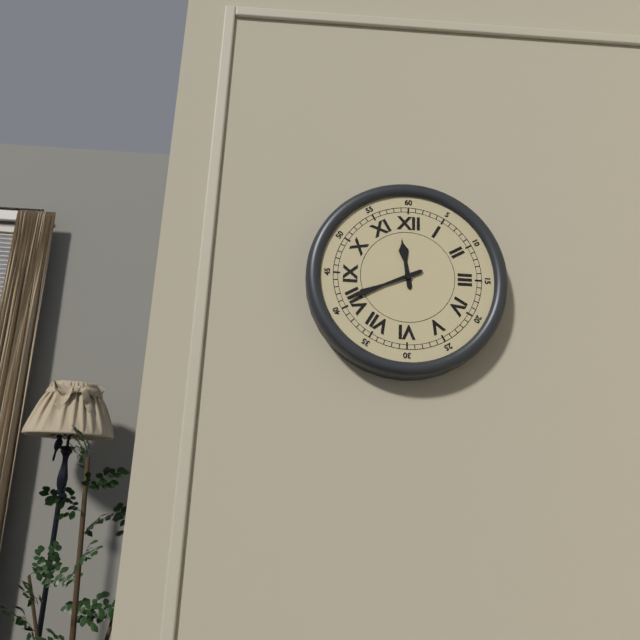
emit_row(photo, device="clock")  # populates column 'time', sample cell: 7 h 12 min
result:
11 h 41 min
